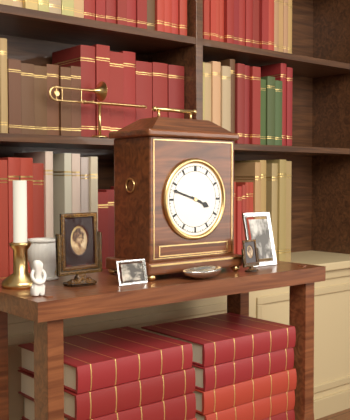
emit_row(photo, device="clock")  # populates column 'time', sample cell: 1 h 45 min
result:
3 h 48 min
